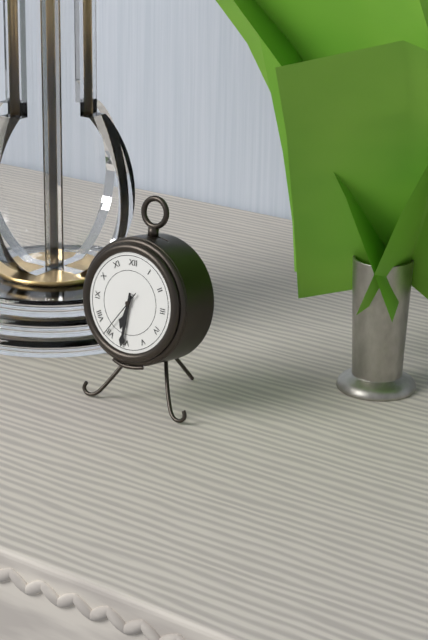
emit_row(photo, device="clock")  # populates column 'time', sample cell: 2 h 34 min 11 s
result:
6 h 31 min 36 s
